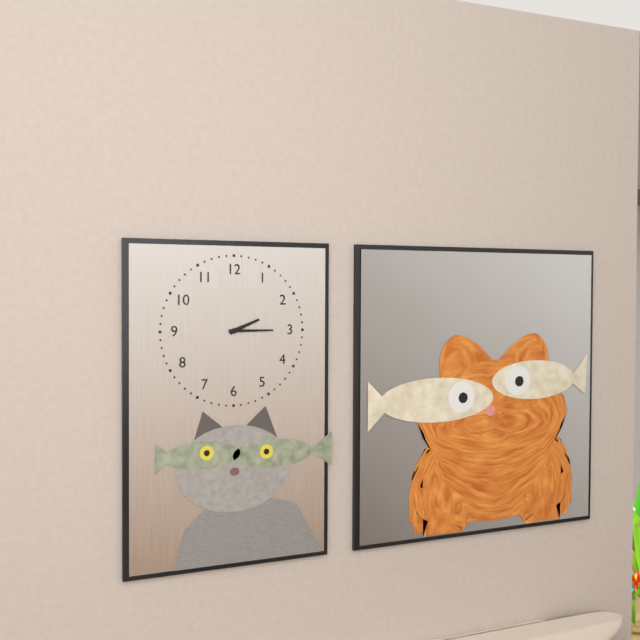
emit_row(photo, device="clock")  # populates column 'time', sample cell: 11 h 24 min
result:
2 h 15 min
